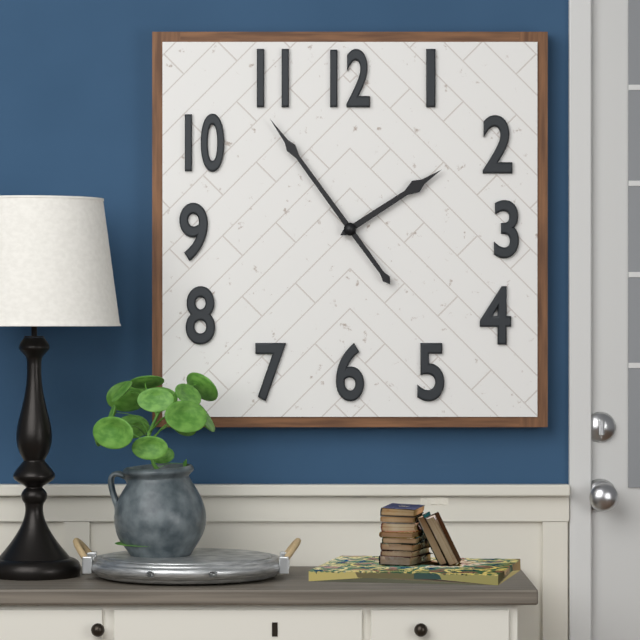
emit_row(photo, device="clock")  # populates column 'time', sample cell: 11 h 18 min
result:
1 h 54 min
